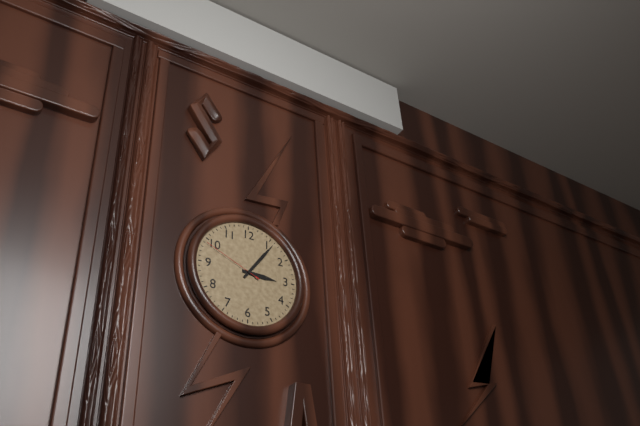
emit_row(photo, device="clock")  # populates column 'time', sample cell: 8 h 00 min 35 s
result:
3 h 06 min 49 s
